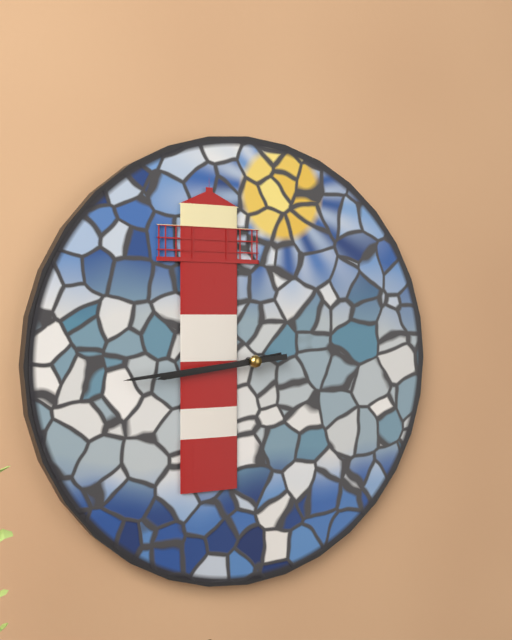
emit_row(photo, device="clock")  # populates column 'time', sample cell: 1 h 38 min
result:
8 h 44 min
